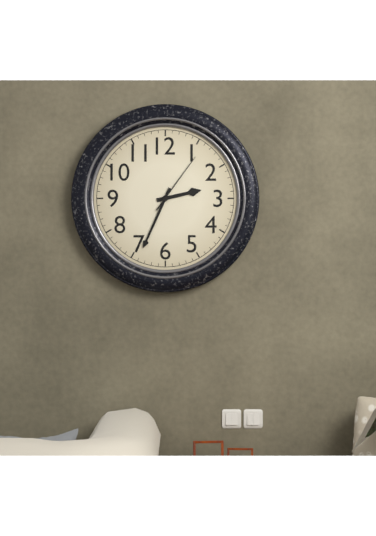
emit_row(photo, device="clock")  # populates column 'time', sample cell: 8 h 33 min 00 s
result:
2 h 34 min 06 s
